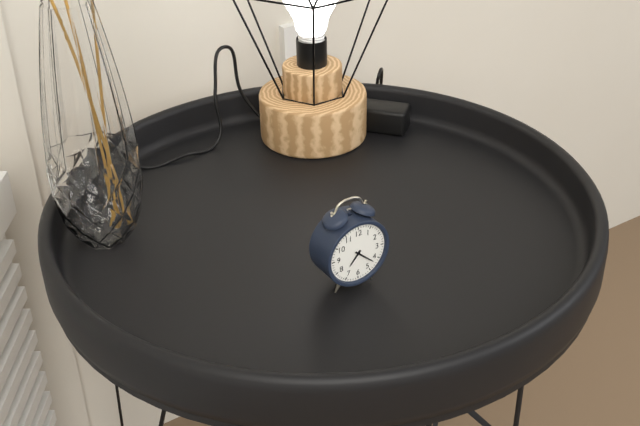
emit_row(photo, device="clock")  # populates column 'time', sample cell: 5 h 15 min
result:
7 h 22 min
